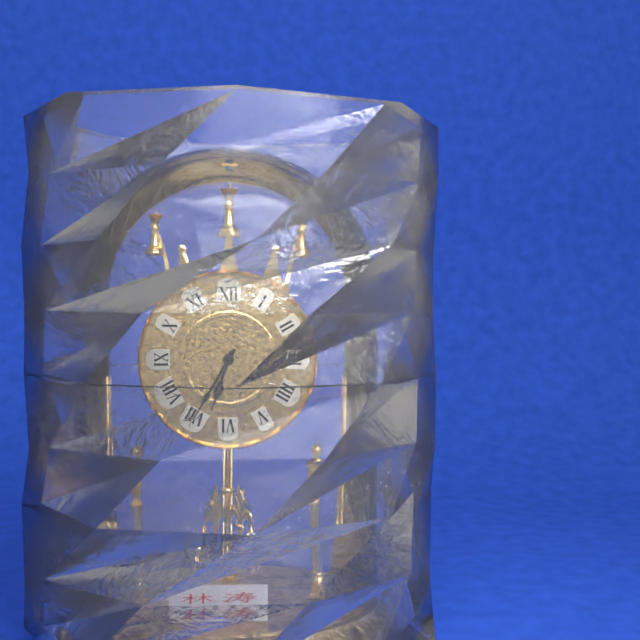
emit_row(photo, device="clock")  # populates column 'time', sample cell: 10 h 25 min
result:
6 h 35 min
